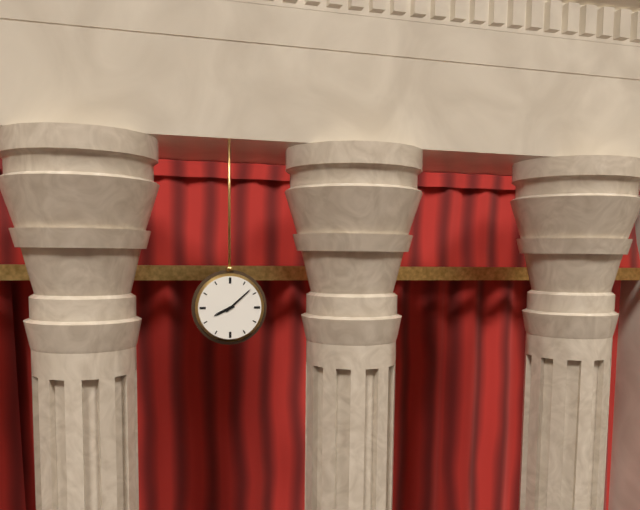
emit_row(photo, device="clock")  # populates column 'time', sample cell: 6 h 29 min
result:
8 h 08 min
